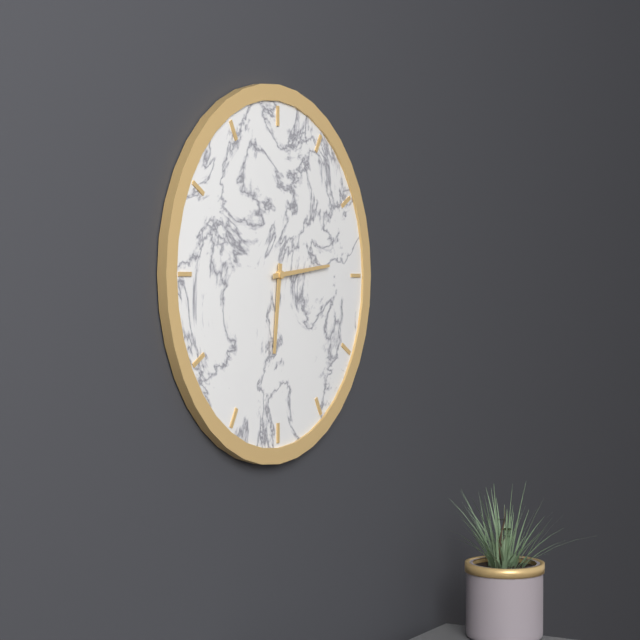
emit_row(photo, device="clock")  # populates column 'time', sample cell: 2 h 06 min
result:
6 h 14 min
